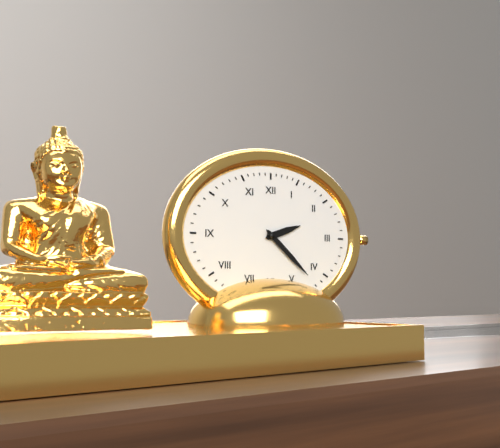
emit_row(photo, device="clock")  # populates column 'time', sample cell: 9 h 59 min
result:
2 h 22 min
